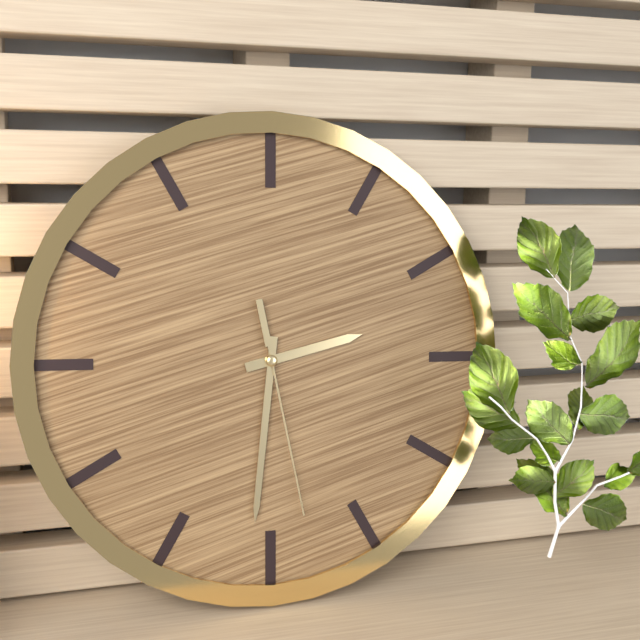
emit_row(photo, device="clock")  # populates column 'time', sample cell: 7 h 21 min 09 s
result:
2 h 31 min 28 s
